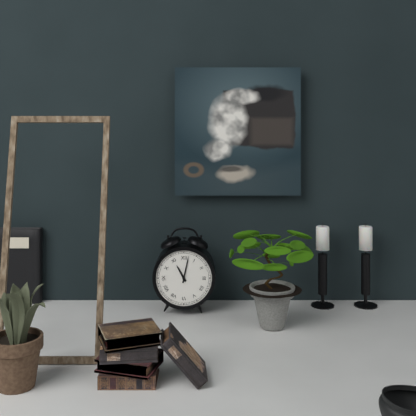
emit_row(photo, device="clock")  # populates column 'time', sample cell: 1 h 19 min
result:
11 h 02 min
